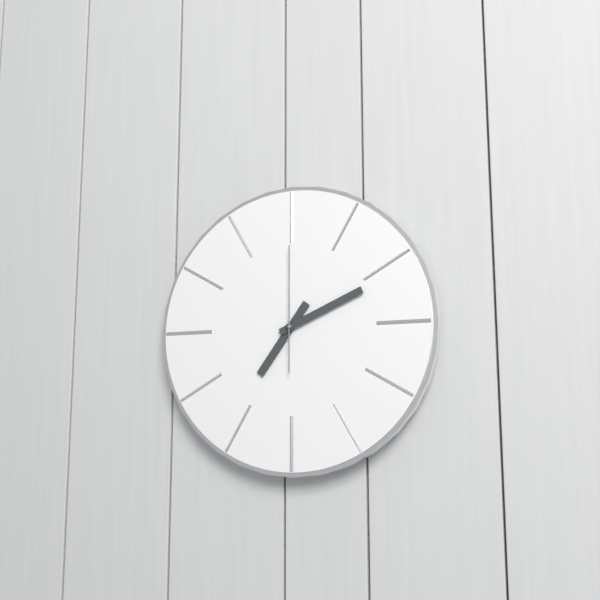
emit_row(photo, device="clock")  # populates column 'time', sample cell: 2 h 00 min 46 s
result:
7 h 11 min 00 s
